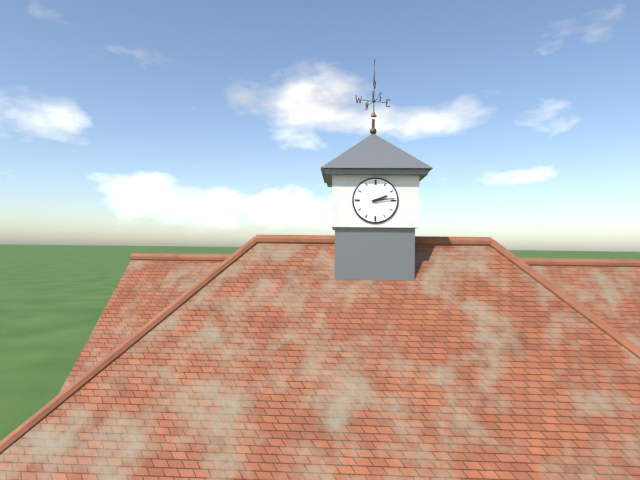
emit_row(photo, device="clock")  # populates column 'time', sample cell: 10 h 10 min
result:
2 h 14 min
